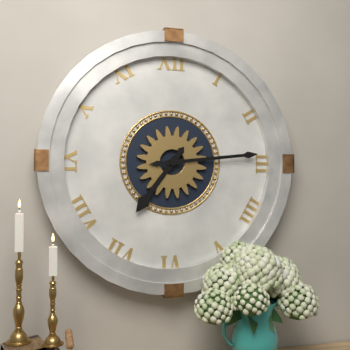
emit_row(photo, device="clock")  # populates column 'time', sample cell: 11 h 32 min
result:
7 h 14 min
